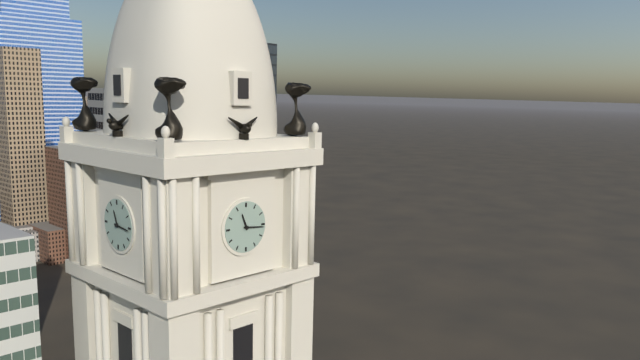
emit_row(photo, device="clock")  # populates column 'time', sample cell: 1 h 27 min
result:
11 h 16 min
